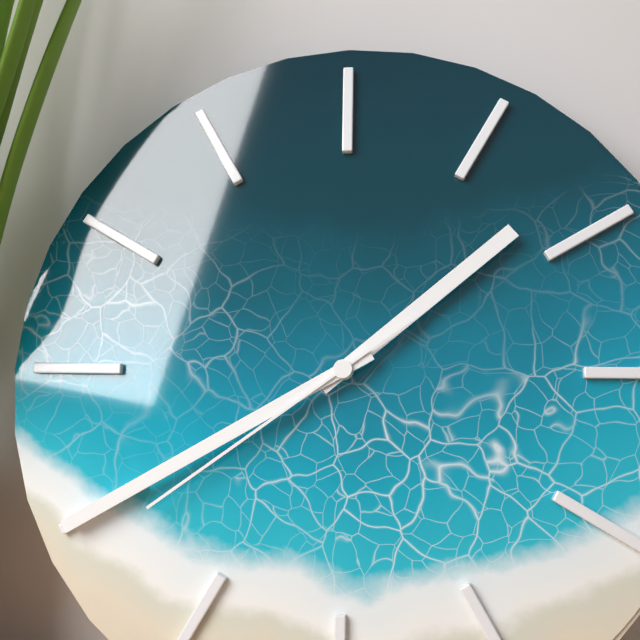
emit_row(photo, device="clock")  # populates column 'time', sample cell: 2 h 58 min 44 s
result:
1 h 40 min 39 s
